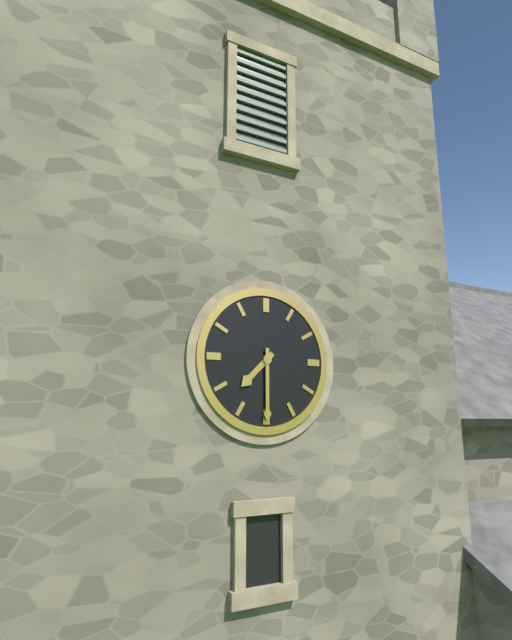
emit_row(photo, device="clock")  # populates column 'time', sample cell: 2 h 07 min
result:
7 h 30 min
